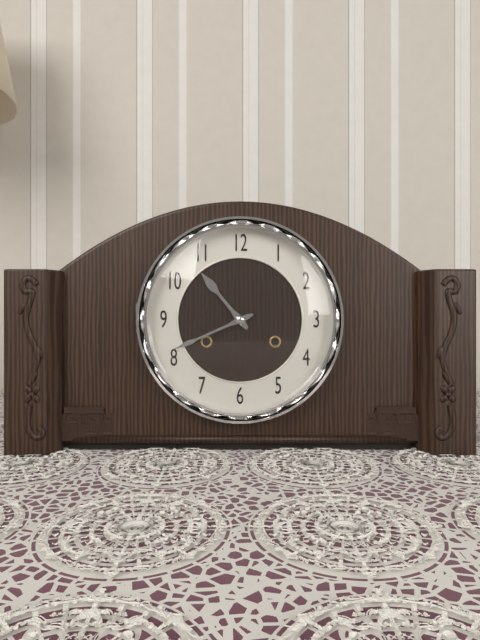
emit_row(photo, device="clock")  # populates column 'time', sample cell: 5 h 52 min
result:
10 h 41 min
